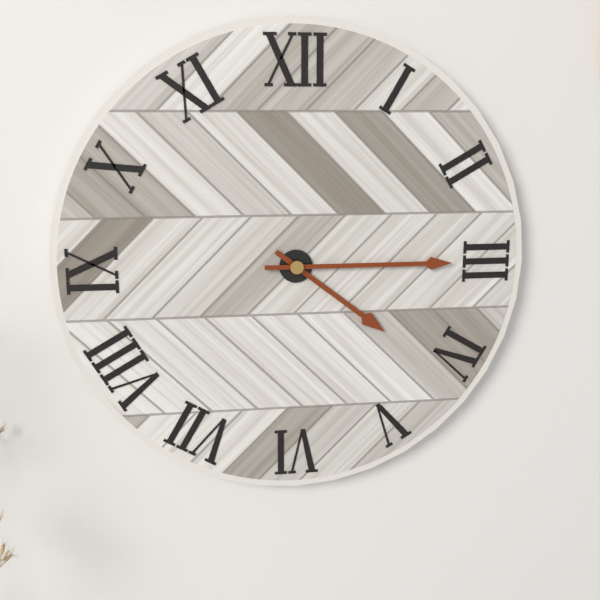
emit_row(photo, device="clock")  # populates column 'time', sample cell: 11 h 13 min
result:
4 h 15 min
